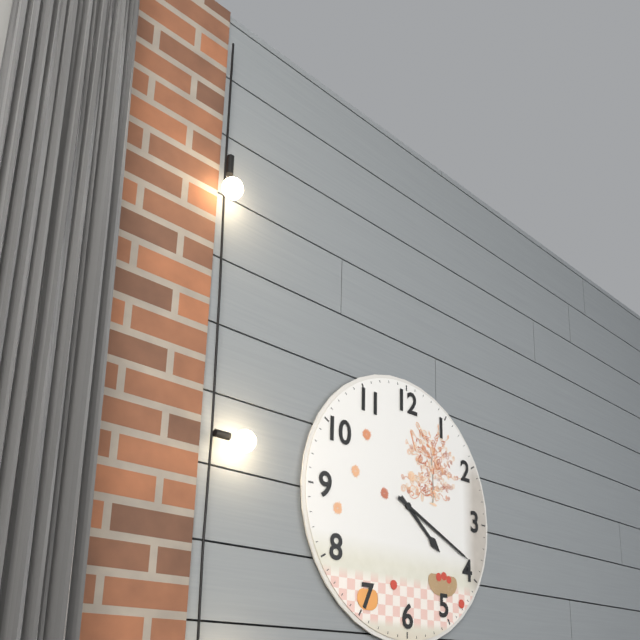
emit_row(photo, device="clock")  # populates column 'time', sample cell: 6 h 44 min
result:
4 h 19 min
